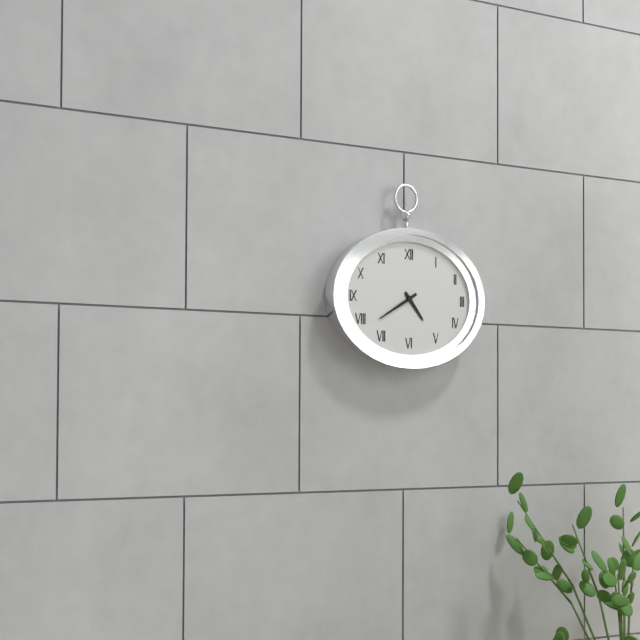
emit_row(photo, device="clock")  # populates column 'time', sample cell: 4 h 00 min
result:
4 h 40 min
